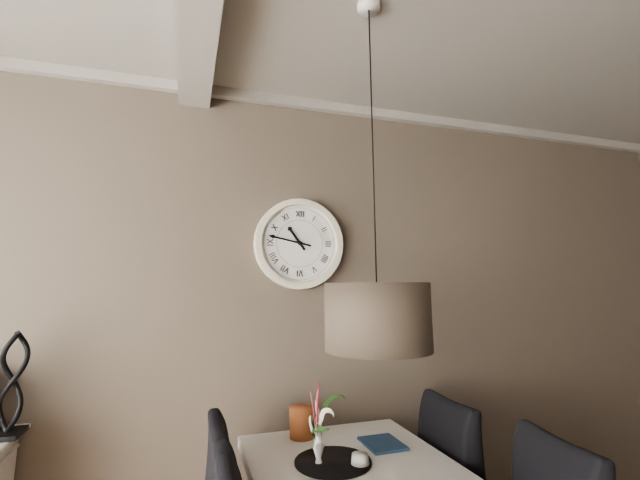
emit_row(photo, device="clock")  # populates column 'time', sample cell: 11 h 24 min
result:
10 h 47 min
